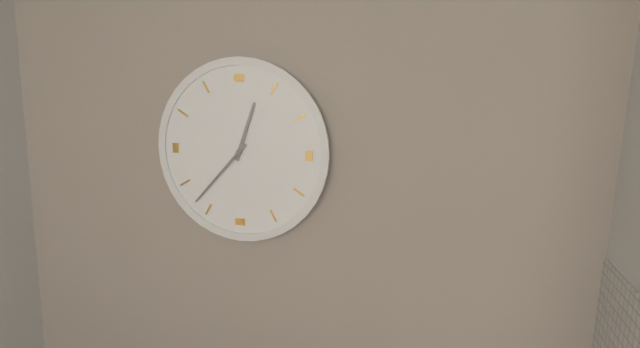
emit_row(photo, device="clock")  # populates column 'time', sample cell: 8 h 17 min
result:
12 h 37 min
